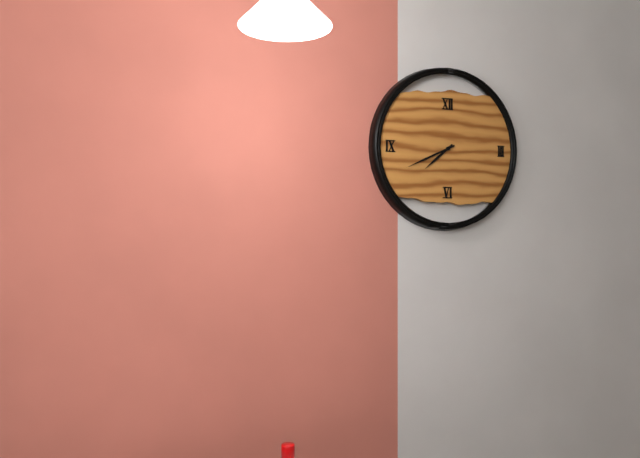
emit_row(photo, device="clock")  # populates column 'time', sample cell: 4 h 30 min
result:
7 h 41 min
